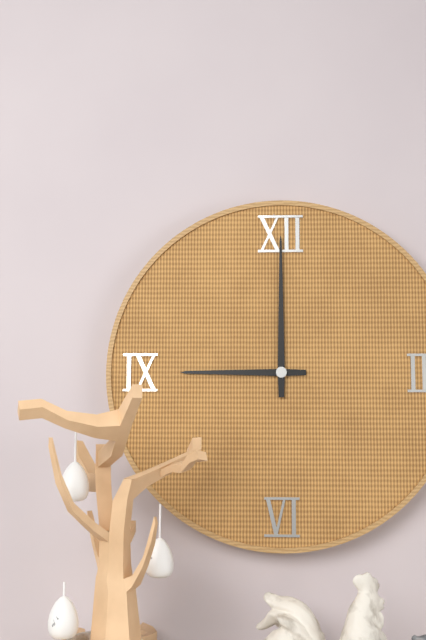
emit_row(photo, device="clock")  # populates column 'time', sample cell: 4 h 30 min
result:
9 h 00 min
